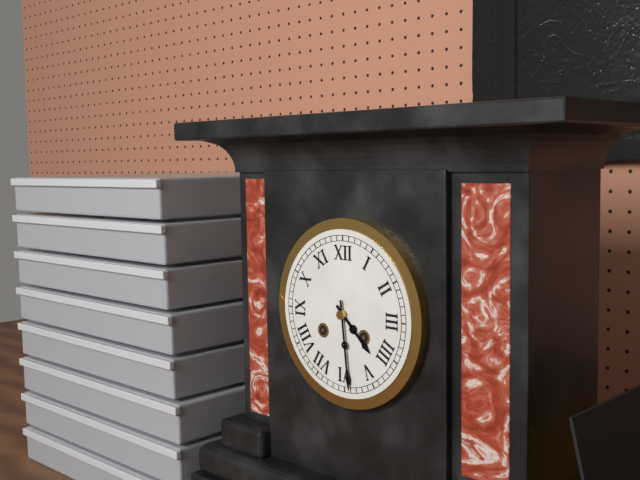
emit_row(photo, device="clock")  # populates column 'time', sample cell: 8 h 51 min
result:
4 h 29 min
